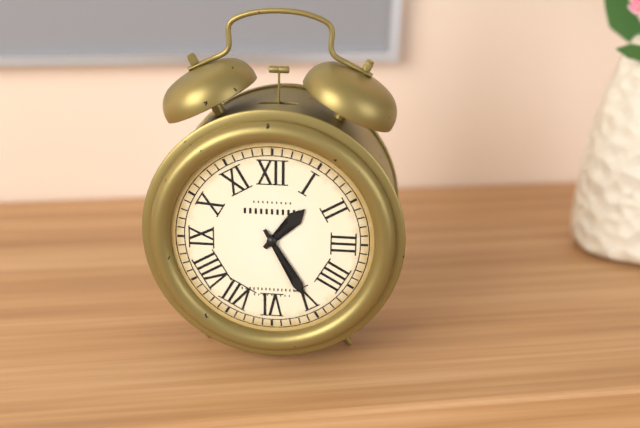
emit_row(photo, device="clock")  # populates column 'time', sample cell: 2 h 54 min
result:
1 h 25 min
